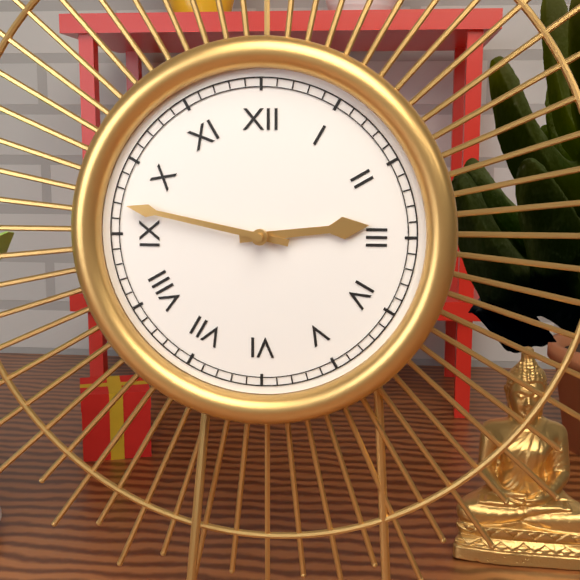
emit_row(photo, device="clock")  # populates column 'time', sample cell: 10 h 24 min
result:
2 h 47 min
